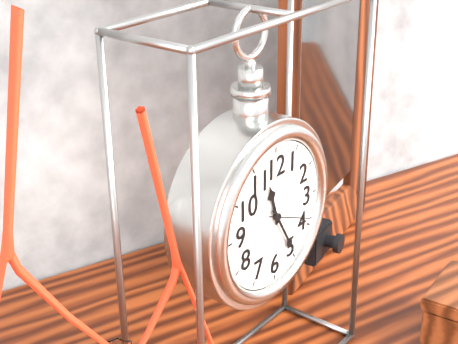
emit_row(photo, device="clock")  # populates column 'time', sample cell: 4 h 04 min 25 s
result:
11 h 25 min 19 s
